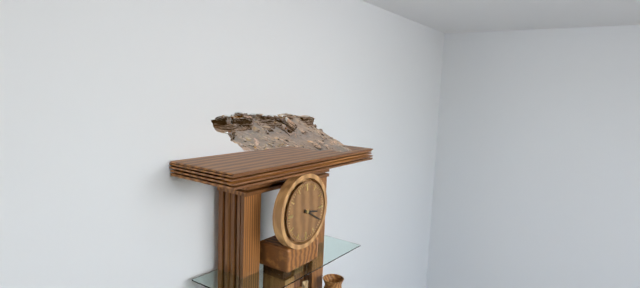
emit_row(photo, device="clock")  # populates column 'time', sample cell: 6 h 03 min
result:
3 h 20 min
